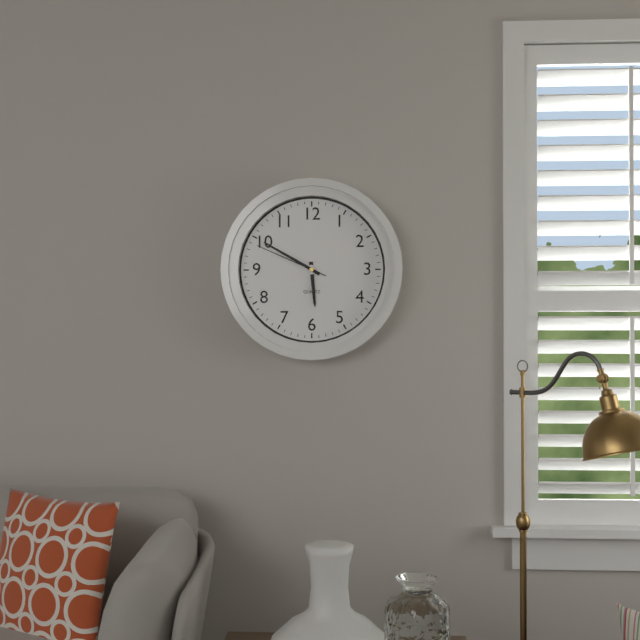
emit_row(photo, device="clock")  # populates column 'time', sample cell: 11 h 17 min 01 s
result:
5 h 50 min 49 s
